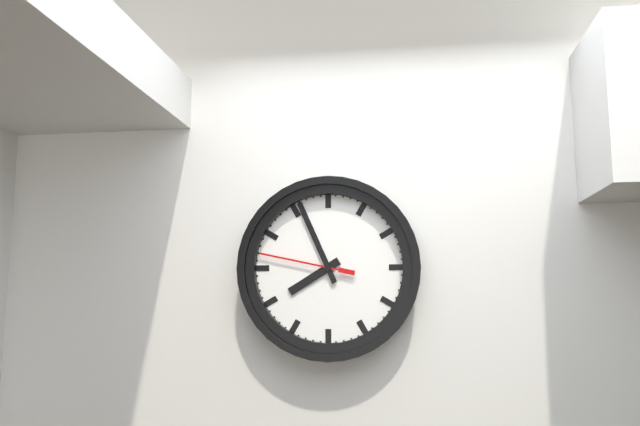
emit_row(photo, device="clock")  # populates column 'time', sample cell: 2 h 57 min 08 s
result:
7 h 56 min 47 s
